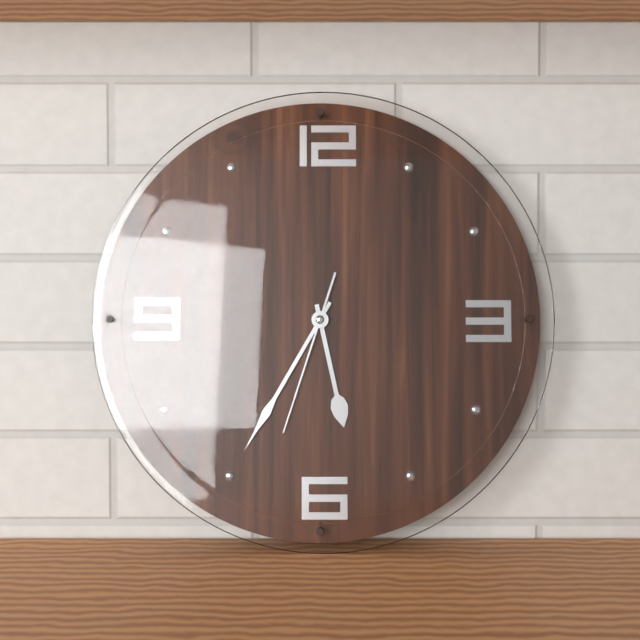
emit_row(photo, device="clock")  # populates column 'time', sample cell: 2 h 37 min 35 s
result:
5 h 35 min 33 s
